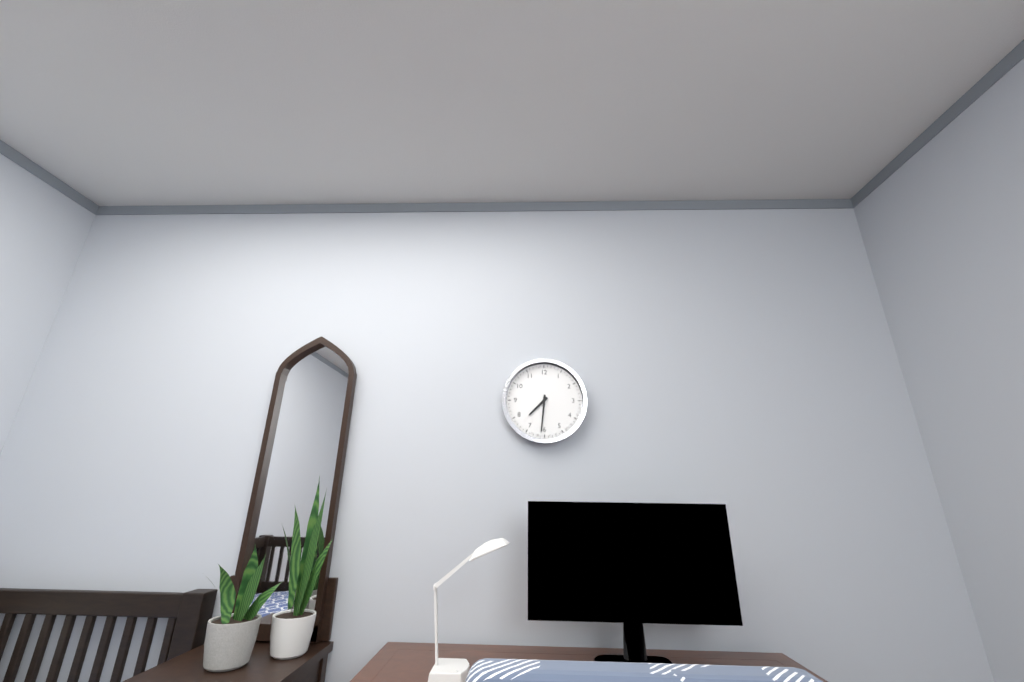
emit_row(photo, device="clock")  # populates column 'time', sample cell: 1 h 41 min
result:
7 h 31 min
